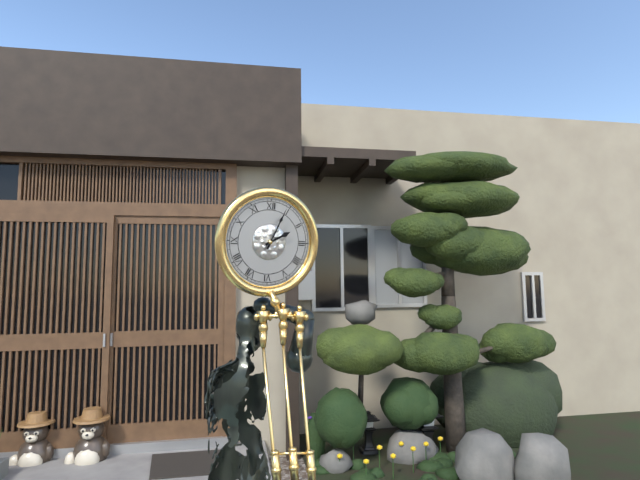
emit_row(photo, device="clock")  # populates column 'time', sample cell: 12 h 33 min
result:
2 h 04 min
